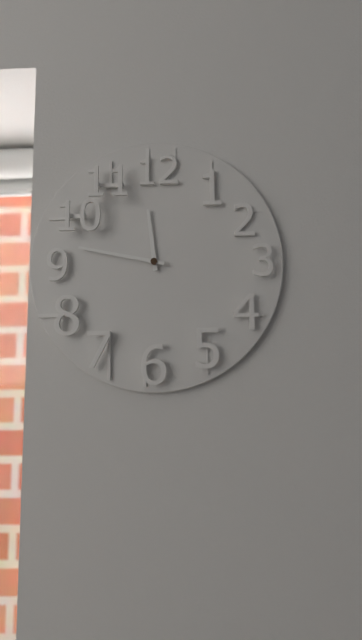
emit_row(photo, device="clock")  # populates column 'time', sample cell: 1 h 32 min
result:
11 h 47 min
